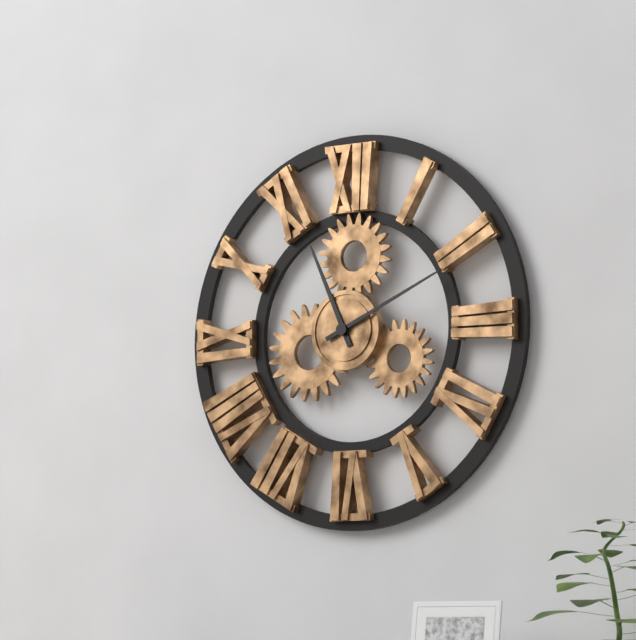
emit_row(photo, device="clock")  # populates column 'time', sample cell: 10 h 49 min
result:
11 h 11 min
